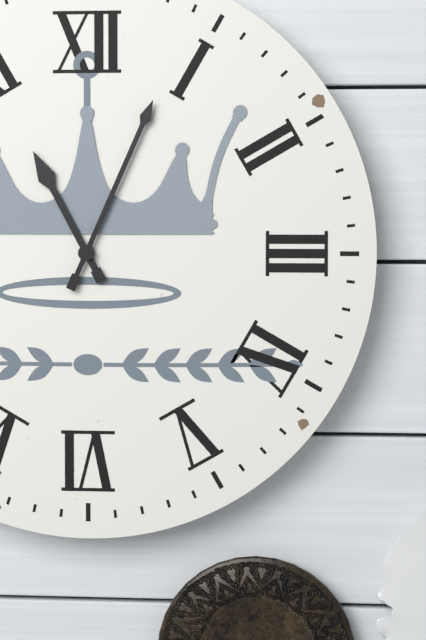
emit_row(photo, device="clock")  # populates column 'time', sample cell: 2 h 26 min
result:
11 h 04 min
